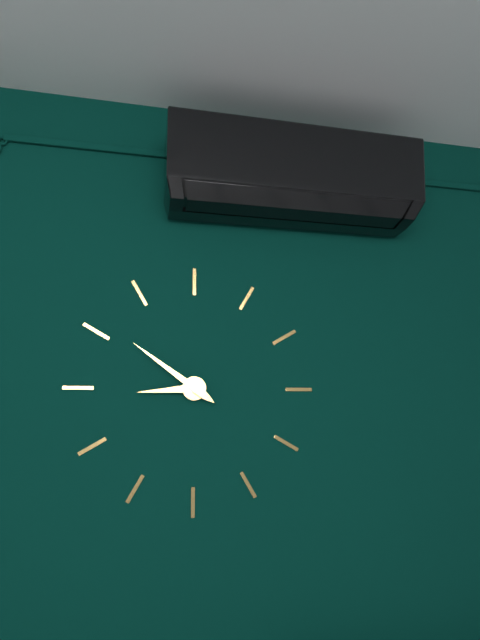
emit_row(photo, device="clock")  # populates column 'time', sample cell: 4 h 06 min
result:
8 h 51 min
